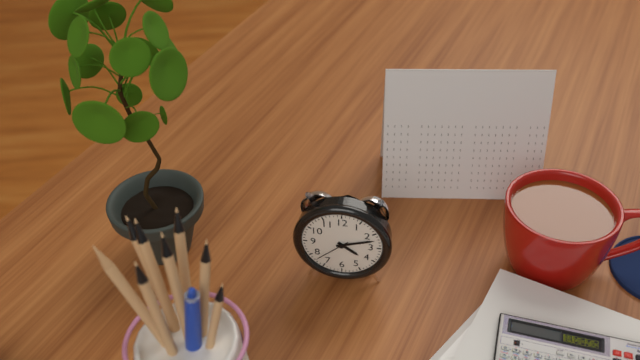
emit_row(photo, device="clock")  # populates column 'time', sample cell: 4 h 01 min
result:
4 h 12 min
